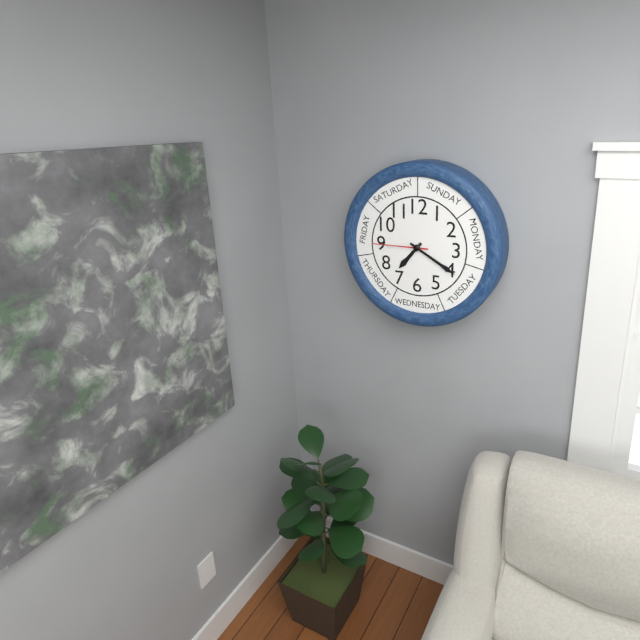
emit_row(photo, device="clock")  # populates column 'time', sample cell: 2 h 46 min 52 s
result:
7 h 20 min 45 s
